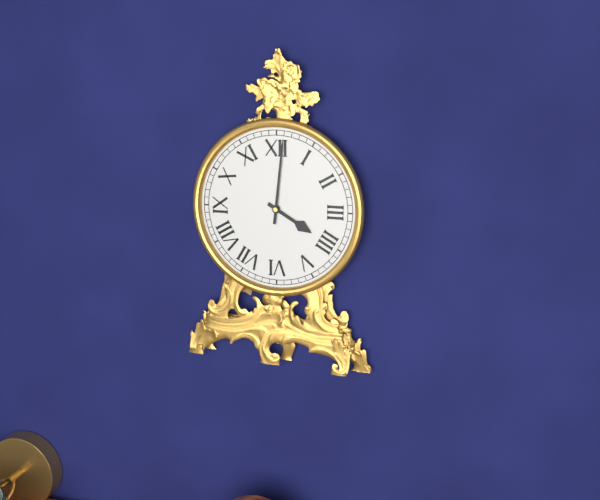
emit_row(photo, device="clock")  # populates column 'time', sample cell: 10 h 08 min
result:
4 h 01 min
